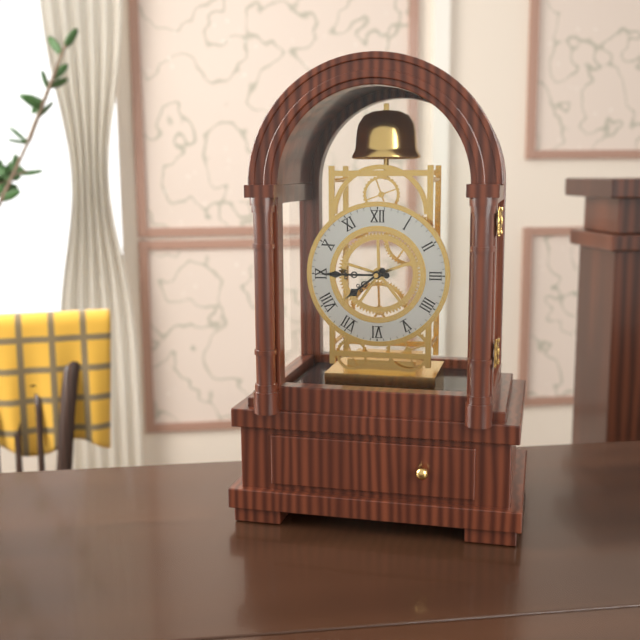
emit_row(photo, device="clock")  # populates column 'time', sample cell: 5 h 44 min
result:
7 h 45 min
